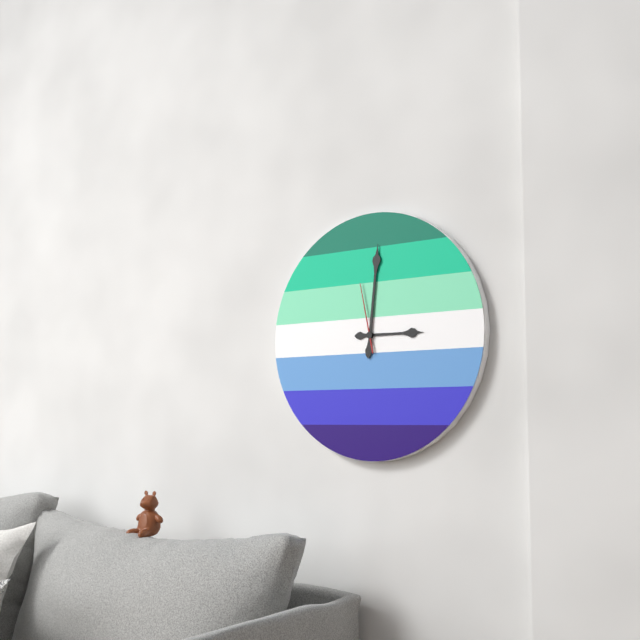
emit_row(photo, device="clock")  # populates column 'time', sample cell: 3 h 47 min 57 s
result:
3 h 01 min 58 s
